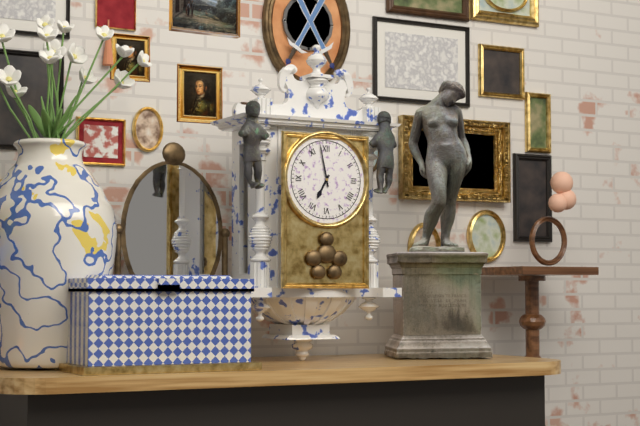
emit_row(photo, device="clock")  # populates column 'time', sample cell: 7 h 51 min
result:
6 h 58 min
